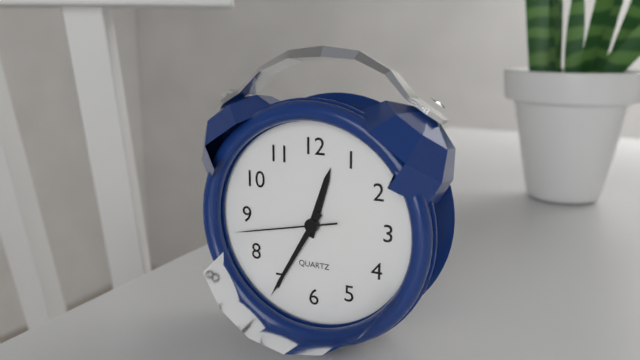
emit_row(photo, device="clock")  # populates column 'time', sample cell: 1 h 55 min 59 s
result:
12 h 35 min 43 s
